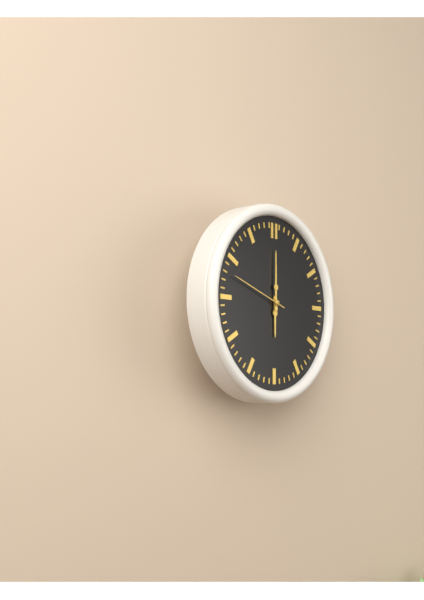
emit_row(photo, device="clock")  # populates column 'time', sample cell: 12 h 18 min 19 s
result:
6 h 00 min 48 s
